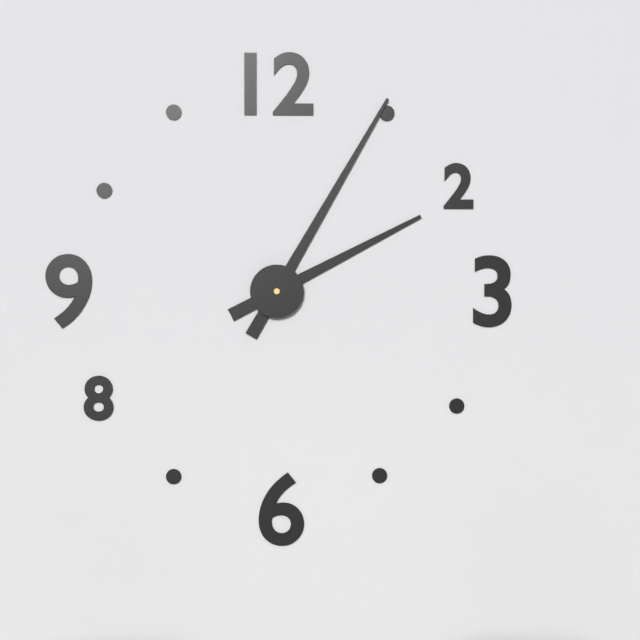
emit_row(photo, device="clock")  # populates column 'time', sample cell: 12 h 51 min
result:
2 h 05 min
